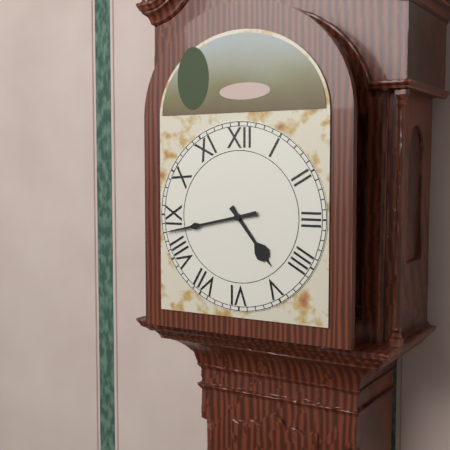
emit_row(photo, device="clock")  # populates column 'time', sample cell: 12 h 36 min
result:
4 h 43 min
